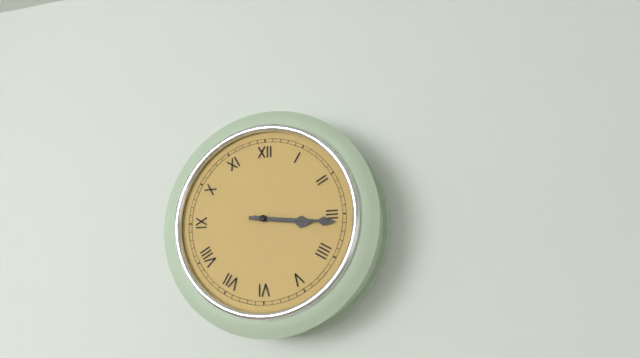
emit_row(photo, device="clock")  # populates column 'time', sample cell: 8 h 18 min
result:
3 h 16 min
